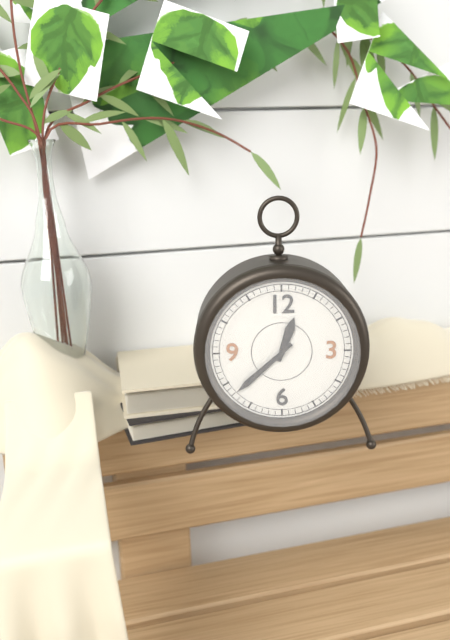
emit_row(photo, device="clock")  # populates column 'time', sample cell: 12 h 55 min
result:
12 h 38 min
